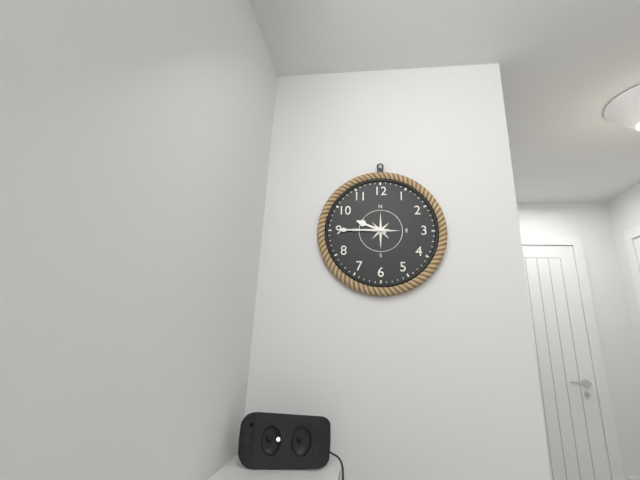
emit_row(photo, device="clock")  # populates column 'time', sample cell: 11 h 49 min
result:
9 h 45 min
